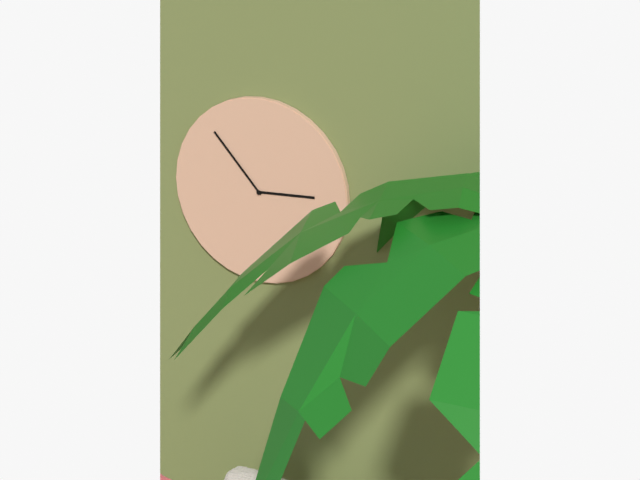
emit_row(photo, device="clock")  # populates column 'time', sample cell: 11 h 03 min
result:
2 h 53 min
